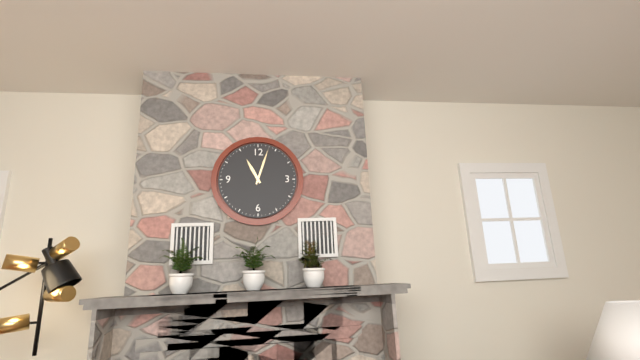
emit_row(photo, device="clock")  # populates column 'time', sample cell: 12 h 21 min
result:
11 h 03 min
